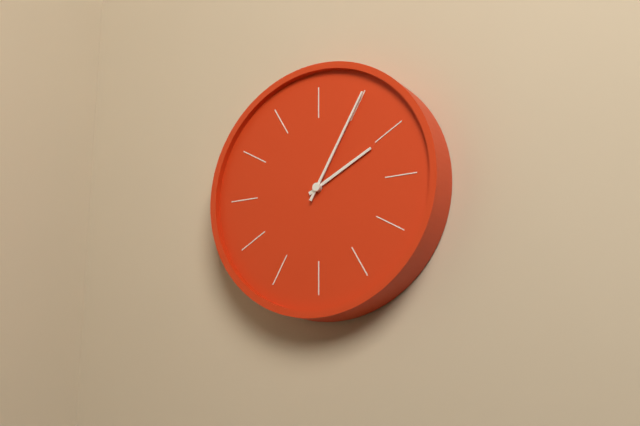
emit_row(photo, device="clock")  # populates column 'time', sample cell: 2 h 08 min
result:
2 h 05 min
